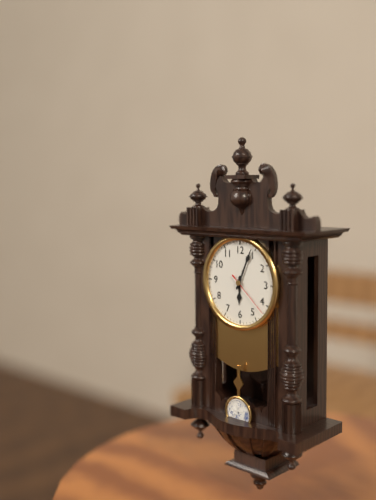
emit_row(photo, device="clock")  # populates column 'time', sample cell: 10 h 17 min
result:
6 h 04 min
